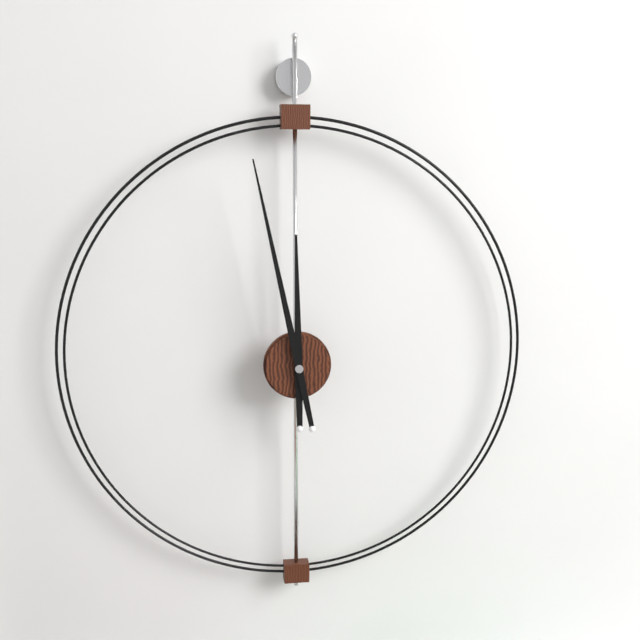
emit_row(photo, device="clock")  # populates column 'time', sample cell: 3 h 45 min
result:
11 h 58 min
